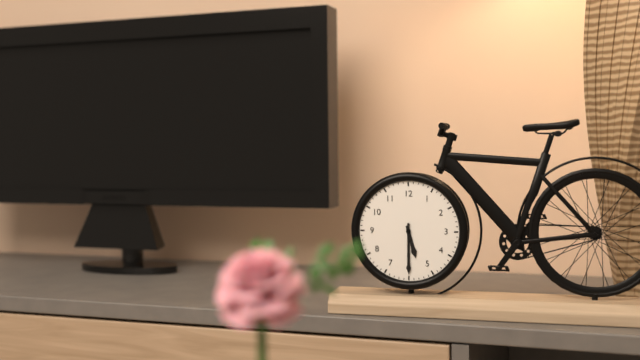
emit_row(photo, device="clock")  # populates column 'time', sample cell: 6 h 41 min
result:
5 h 30 min
